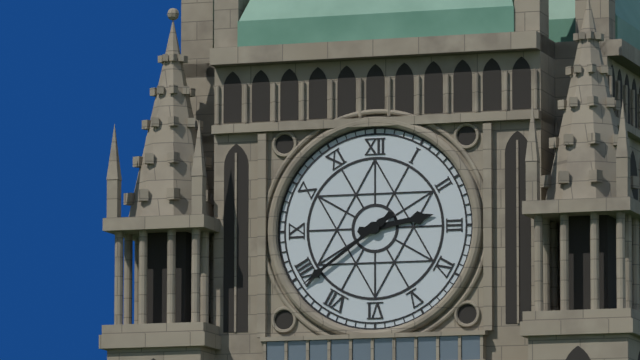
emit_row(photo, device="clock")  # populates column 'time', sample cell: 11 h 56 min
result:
2 h 39 min
